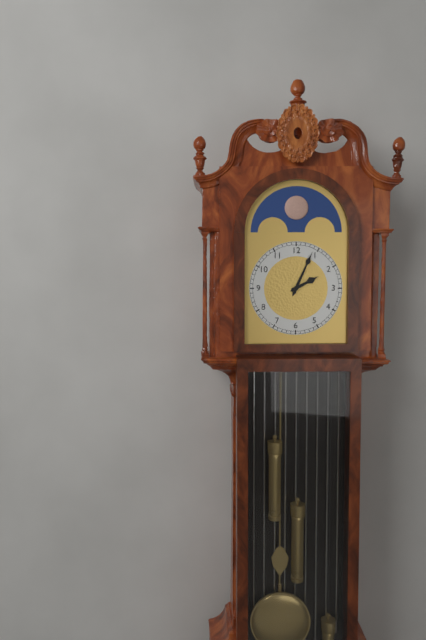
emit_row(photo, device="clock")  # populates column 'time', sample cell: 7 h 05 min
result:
2 h 04 min
